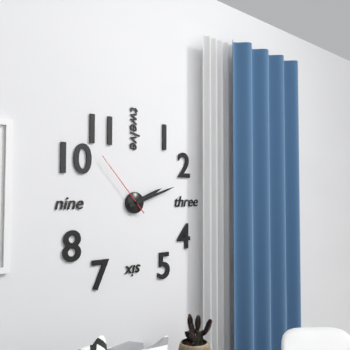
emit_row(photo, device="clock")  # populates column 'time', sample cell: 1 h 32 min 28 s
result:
2 h 12 min 53 s
